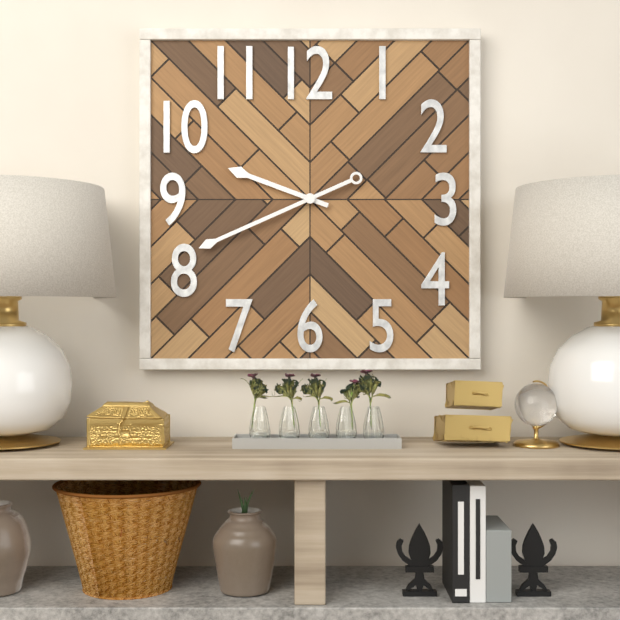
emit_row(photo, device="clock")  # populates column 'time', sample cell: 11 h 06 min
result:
9 h 41 min
